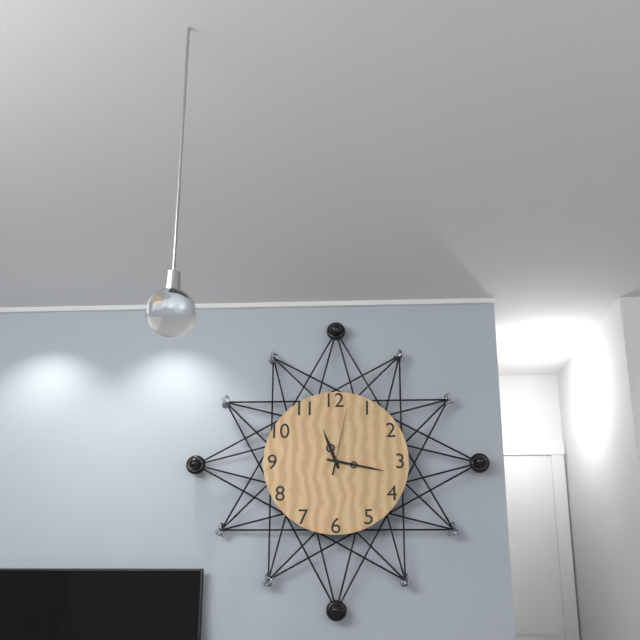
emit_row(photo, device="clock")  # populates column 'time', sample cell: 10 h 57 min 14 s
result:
11 h 17 min 02 s
